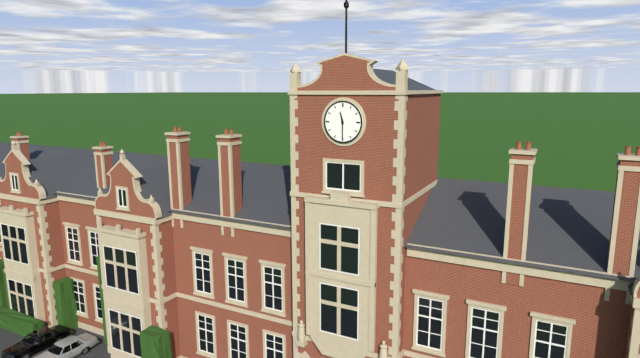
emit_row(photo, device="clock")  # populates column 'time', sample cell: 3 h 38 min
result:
11 h 30 min
